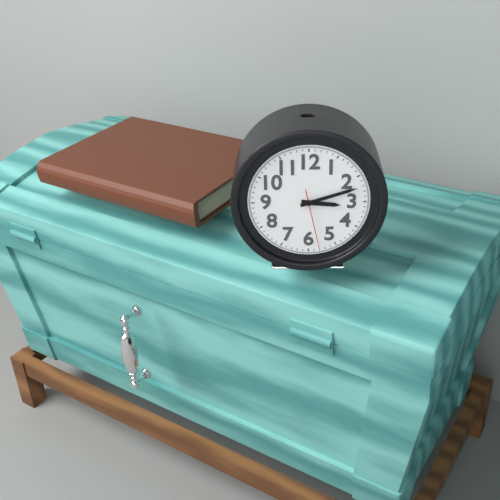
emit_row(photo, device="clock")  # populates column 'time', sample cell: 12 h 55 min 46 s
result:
3 h 12 min 28 s
